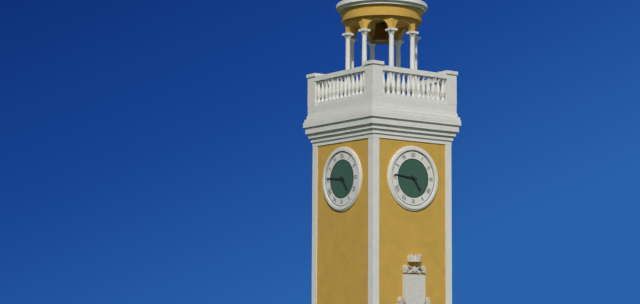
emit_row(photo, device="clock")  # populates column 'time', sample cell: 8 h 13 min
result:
4 h 46 min
